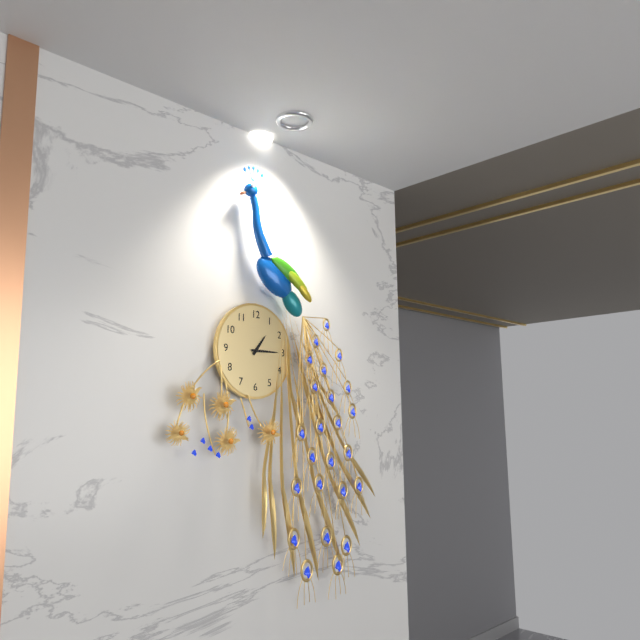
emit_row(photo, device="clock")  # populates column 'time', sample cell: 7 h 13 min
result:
1 h 15 min
